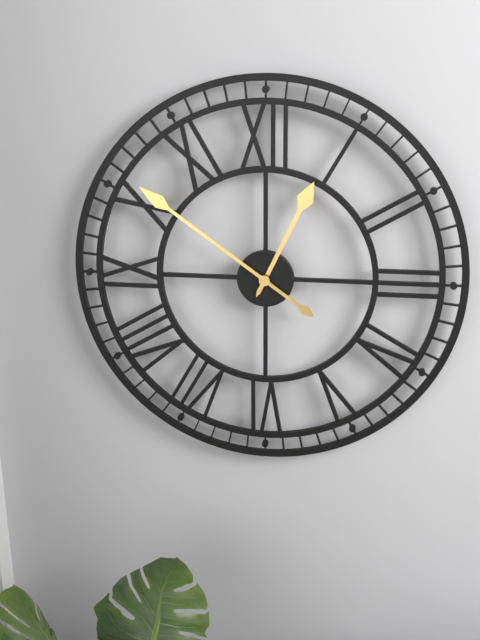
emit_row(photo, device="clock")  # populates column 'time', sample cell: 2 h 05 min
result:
12 h 51 min
